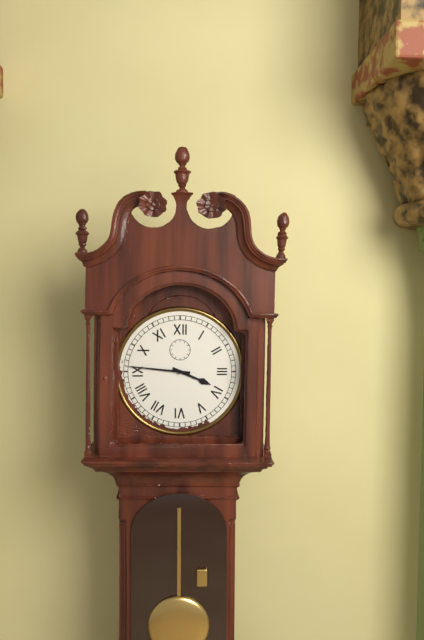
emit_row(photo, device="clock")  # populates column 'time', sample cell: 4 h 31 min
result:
3 h 46 min
